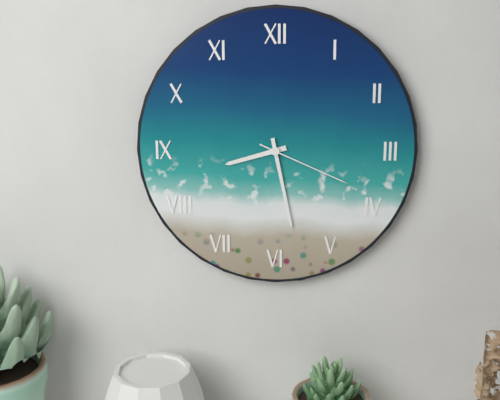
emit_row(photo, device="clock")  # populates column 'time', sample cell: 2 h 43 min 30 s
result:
8 h 28 min 19 s
